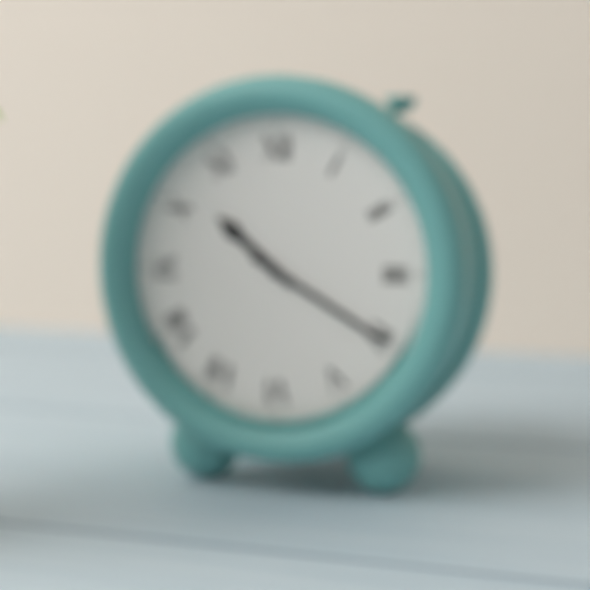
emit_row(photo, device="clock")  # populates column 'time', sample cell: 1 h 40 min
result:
10 h 20 min
